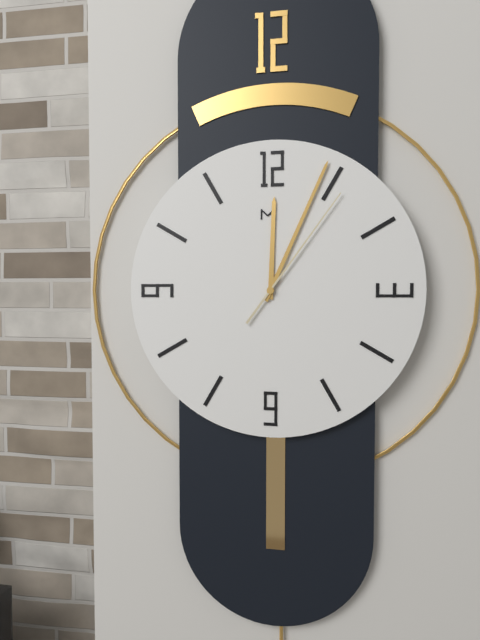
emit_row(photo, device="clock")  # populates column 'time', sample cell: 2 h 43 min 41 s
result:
12 h 04 min 06 s
